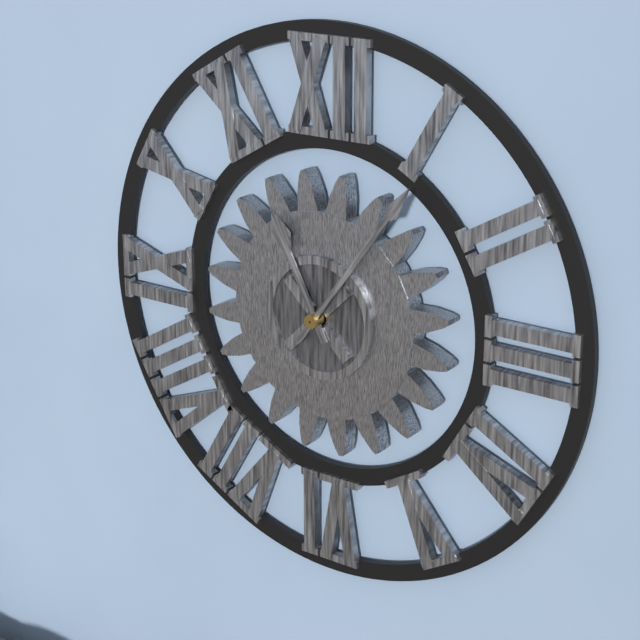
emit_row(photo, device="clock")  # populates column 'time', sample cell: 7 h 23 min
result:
11 h 06 min
